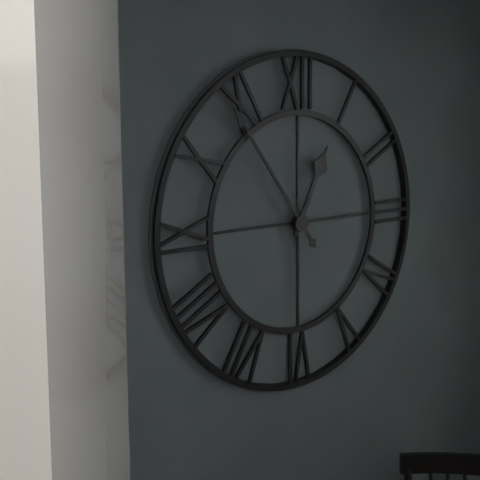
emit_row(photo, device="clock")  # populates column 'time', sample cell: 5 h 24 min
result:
12 h 54 min
